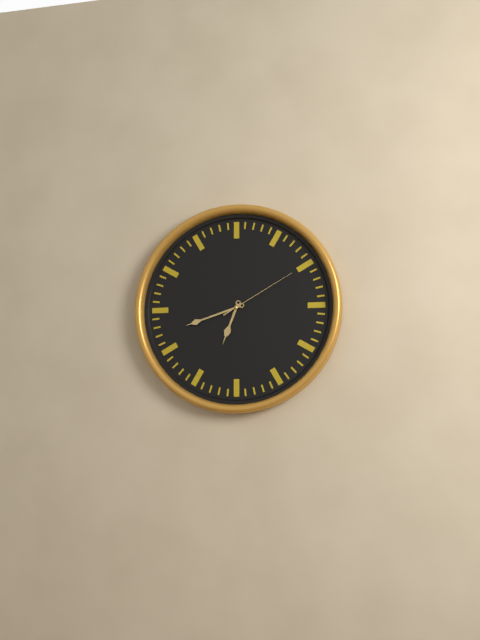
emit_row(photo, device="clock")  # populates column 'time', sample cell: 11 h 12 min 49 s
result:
6 h 42 min 10 s
